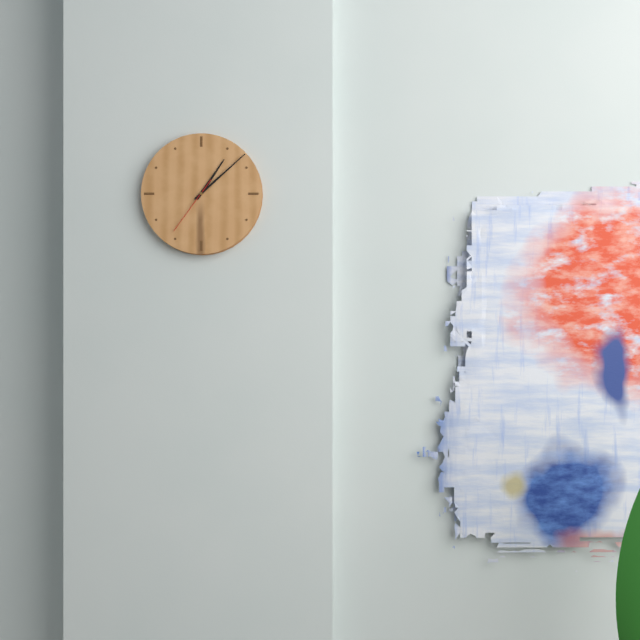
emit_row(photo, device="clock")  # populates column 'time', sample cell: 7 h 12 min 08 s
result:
1 h 08 min 36 s
